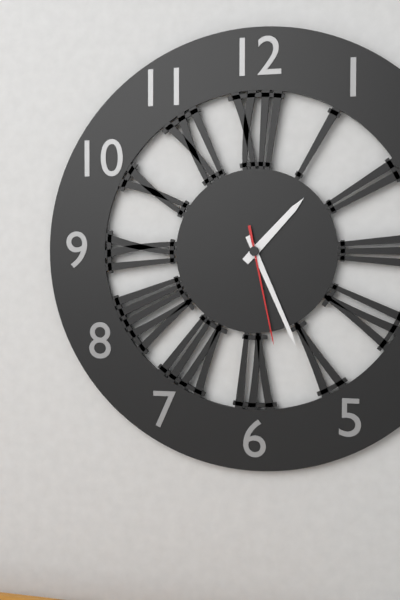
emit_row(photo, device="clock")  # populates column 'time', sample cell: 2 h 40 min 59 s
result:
1 h 26 min 28 s
